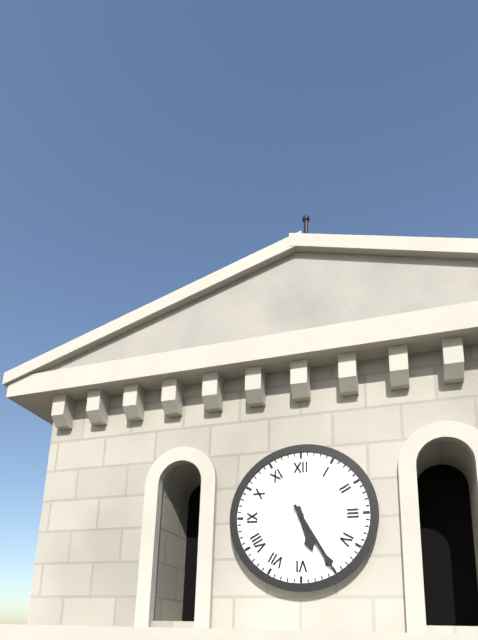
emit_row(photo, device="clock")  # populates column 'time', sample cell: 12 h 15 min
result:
5 h 25 min
